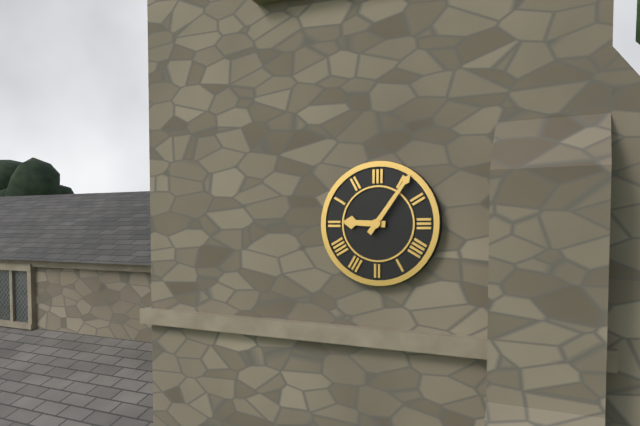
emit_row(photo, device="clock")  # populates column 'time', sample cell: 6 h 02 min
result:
9 h 06 min
